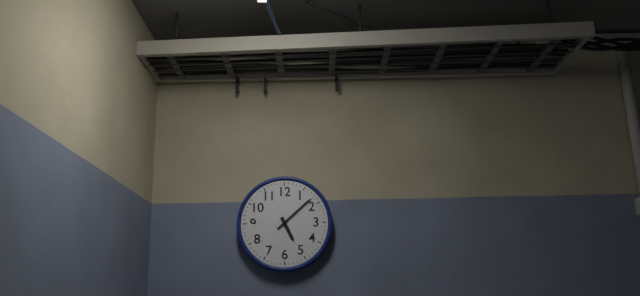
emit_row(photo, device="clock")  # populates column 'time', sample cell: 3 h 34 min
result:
5 h 08 min
